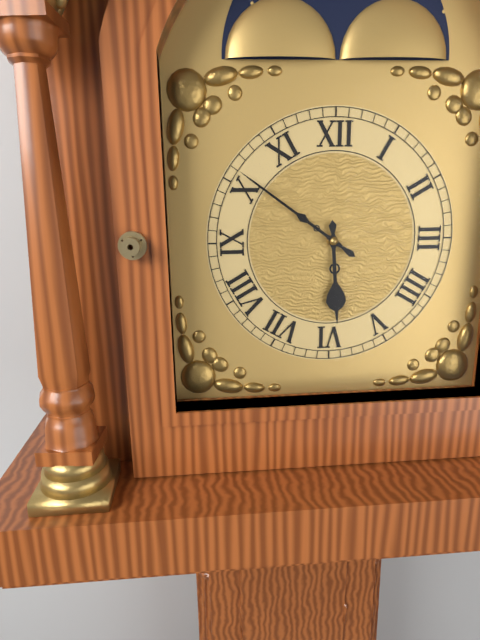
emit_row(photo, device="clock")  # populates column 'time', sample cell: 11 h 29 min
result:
5 h 51 min
